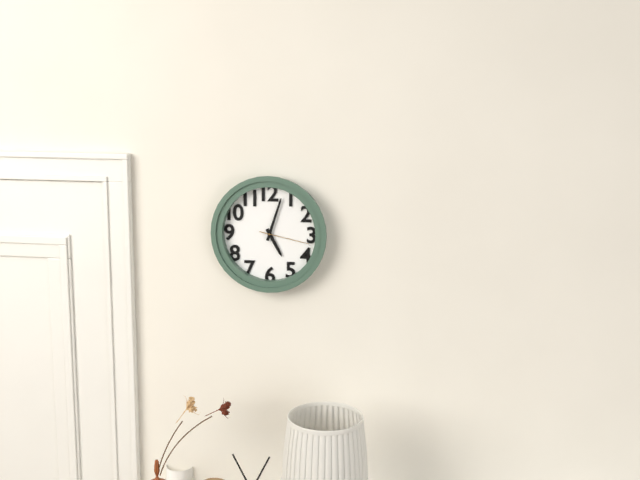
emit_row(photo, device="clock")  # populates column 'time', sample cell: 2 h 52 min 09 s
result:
5 h 03 min 17 s
